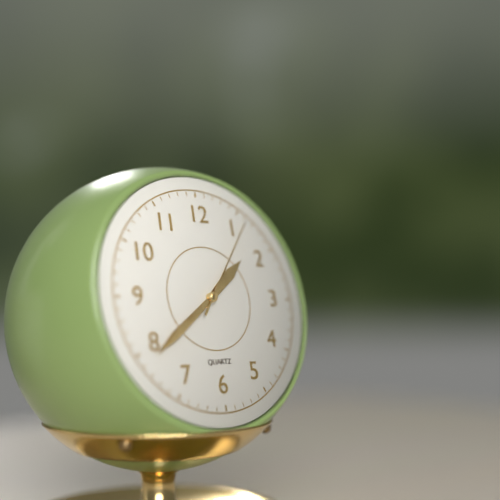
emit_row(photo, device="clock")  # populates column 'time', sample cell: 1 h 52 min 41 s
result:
1 h 39 min 06 s
